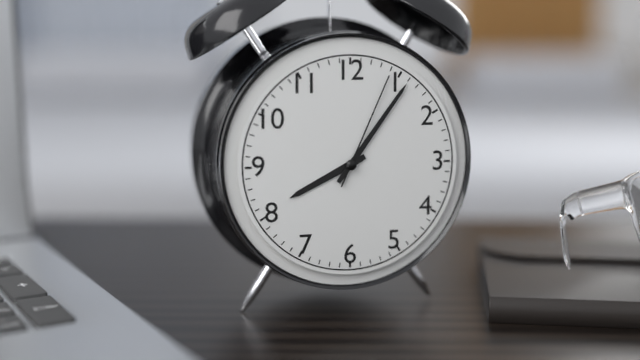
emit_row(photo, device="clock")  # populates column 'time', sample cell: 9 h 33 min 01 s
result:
8 h 06 min 04 s
